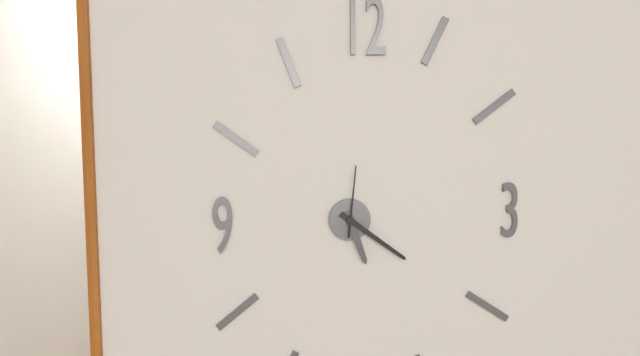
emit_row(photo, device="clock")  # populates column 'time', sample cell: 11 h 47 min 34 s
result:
5 h 21 min 01 s
